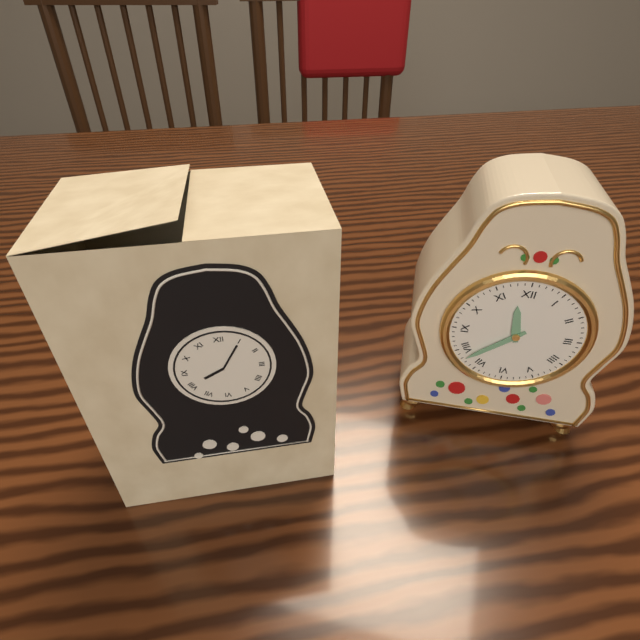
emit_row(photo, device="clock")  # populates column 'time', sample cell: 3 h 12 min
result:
11 h 38 min
